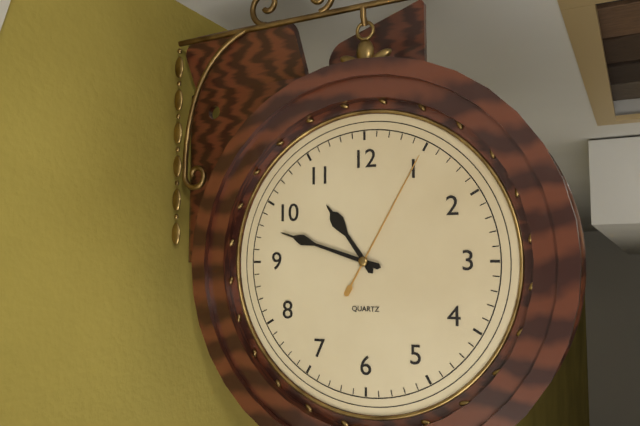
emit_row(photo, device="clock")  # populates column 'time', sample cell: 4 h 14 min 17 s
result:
10 h 48 min 05 s
